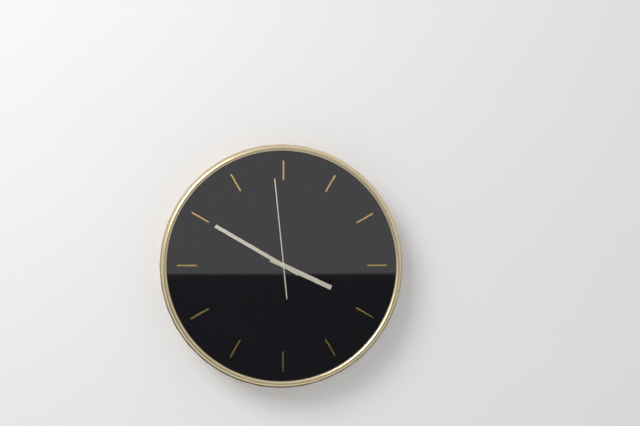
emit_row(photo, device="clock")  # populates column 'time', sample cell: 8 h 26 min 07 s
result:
3 h 50 min 59 s
